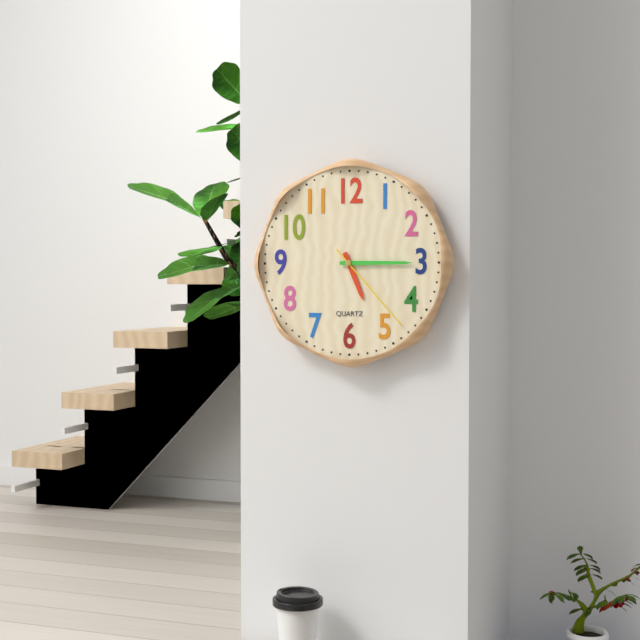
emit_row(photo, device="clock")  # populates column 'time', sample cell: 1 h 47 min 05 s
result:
5 h 15 min 23 s
